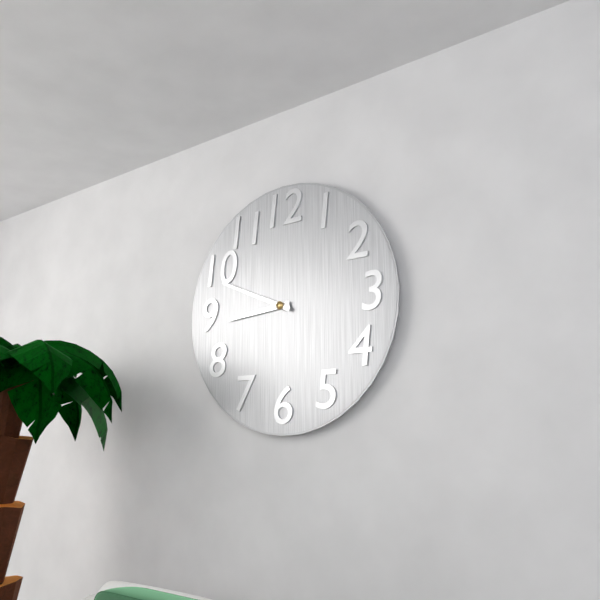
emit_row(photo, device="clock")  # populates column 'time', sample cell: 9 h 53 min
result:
8 h 49 min
